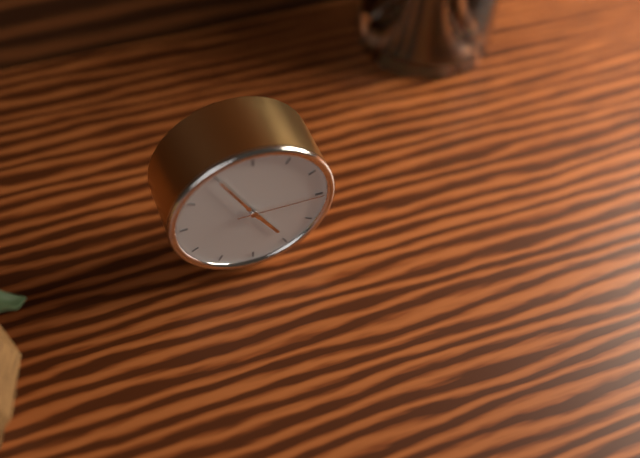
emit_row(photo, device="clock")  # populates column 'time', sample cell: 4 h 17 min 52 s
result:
4 h 55 min 15 s
